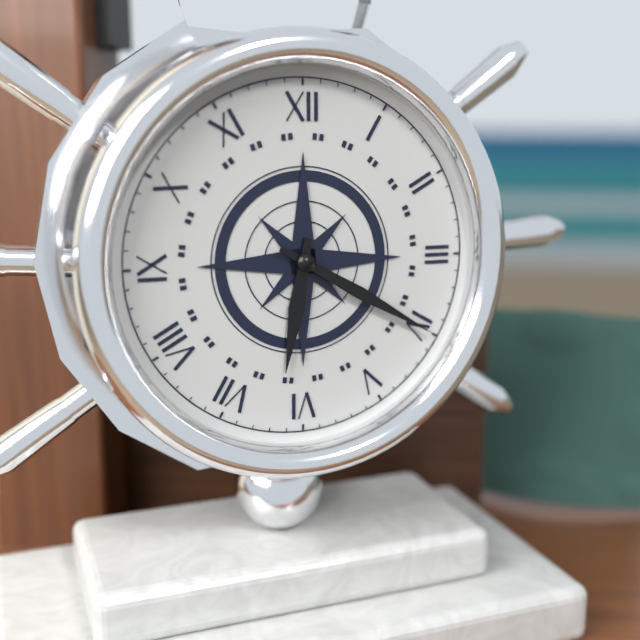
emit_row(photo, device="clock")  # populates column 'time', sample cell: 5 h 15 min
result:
6 h 20 min
